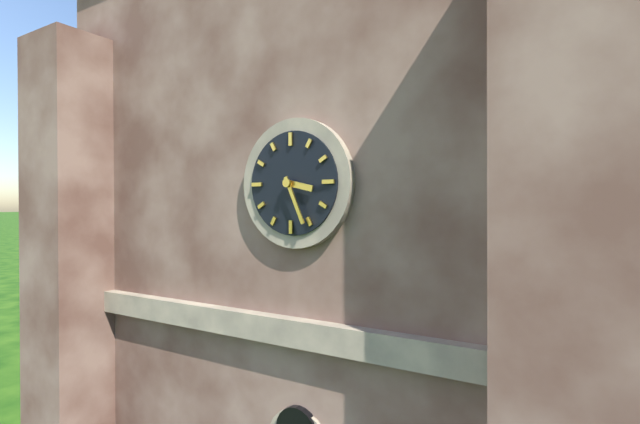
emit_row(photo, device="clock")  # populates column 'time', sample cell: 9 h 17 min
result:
3 h 26 min
